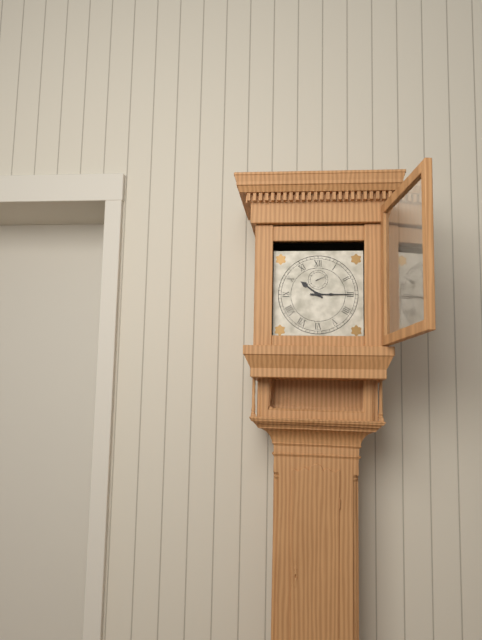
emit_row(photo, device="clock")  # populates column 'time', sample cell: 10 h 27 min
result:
10 h 15 min
